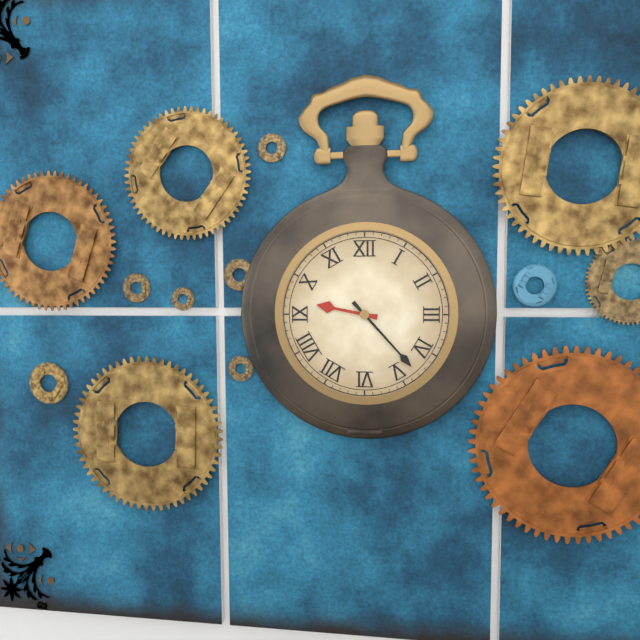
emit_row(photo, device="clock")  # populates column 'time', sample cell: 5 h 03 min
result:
9 h 23 min
